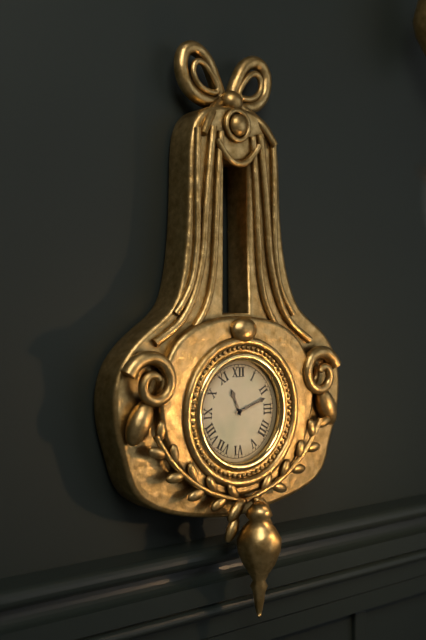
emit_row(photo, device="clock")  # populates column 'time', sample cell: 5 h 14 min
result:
11 h 12 min
